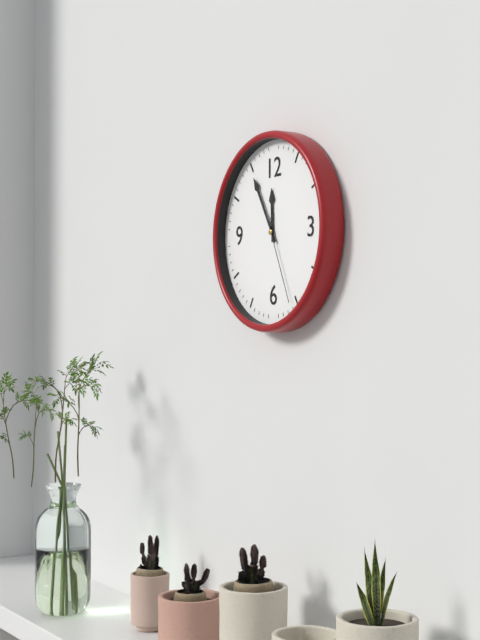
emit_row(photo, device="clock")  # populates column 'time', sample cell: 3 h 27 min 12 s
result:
11 h 55 min 26 s
